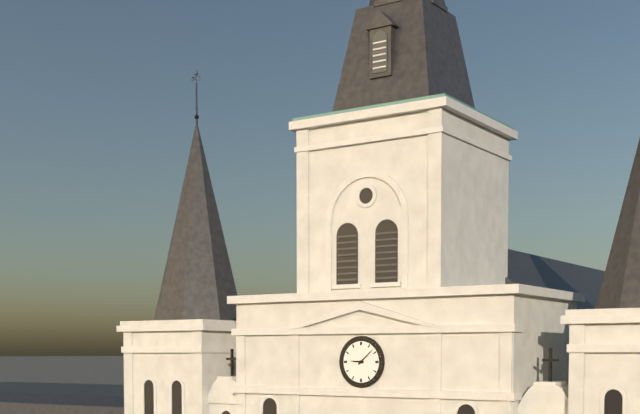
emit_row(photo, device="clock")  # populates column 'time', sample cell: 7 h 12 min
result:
9 h 08 min
